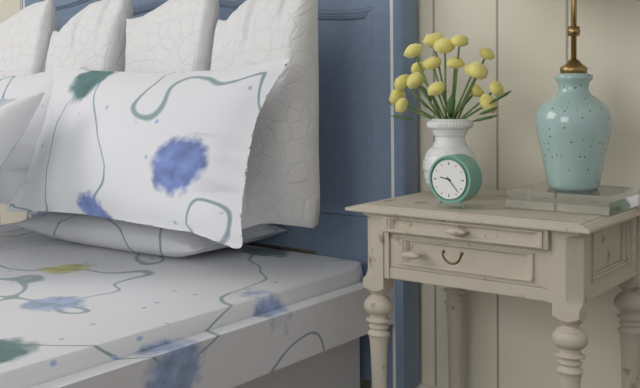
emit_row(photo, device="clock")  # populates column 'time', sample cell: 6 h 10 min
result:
9 h 23 min
